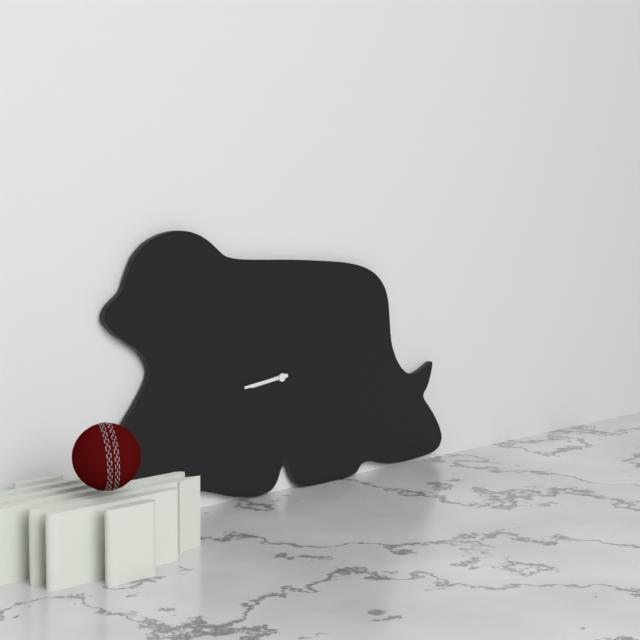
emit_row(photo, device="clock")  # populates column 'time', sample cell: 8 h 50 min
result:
8 h 44 min
